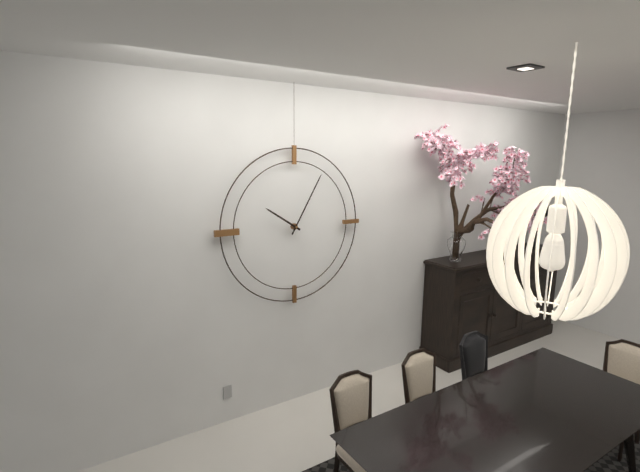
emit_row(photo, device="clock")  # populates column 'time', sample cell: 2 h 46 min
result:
10 h 05 min
